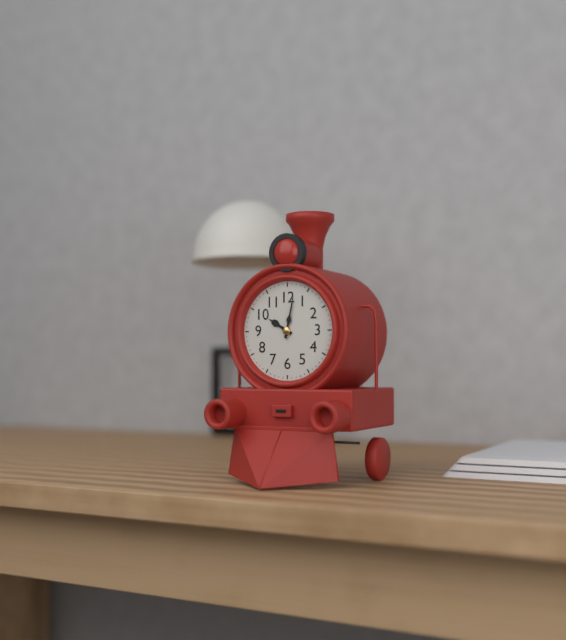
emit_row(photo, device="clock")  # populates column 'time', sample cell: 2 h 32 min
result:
10 h 02 min
